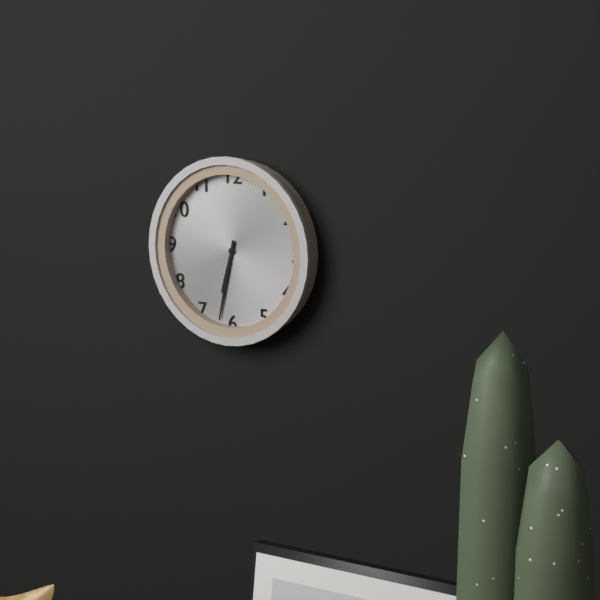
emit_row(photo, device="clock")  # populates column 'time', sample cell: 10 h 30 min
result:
6 h 32 min
